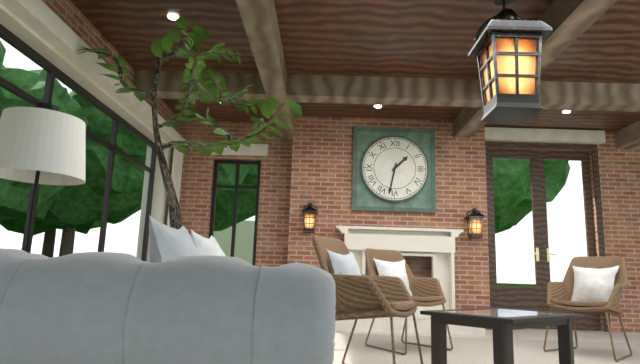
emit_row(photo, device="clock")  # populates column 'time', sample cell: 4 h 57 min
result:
1 h 32 min
